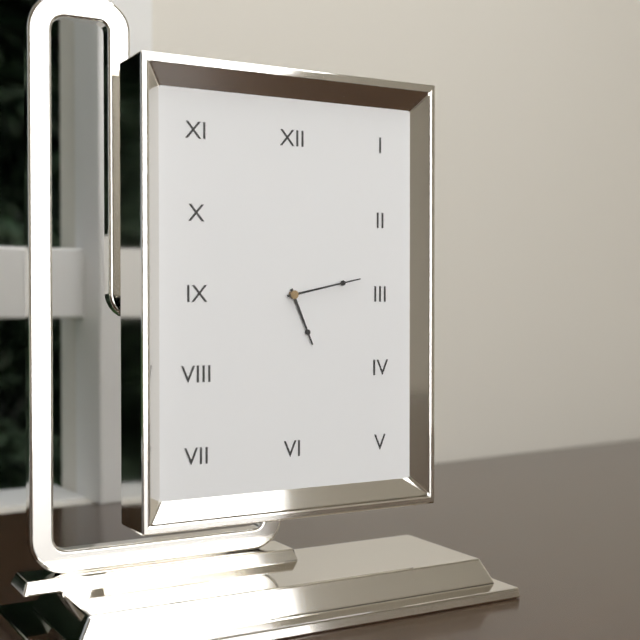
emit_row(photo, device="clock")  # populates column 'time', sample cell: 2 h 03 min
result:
5 h 13 min
